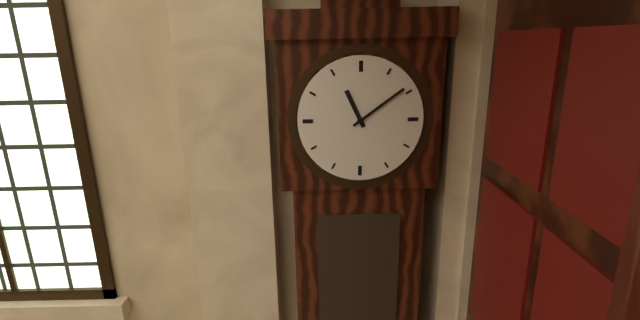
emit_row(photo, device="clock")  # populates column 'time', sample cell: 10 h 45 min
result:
11 h 09 min
